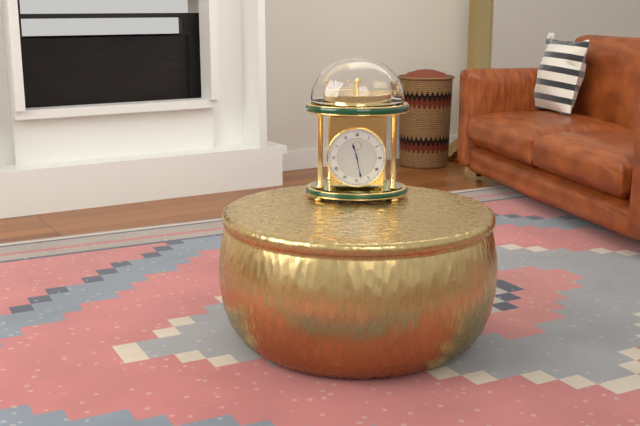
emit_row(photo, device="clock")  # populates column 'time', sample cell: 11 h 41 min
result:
11 h 28 min
